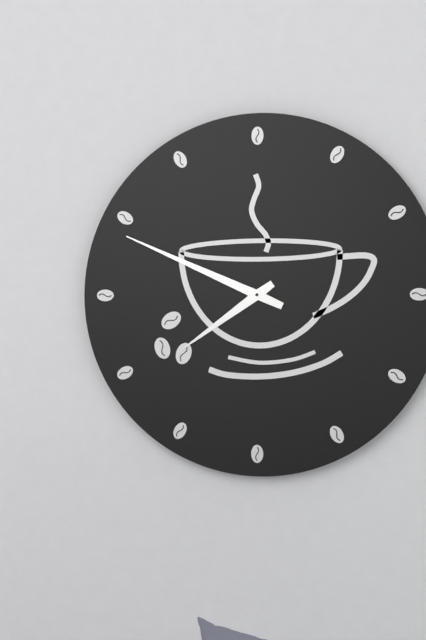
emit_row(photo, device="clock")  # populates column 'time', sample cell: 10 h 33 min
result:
7 h 49 min
